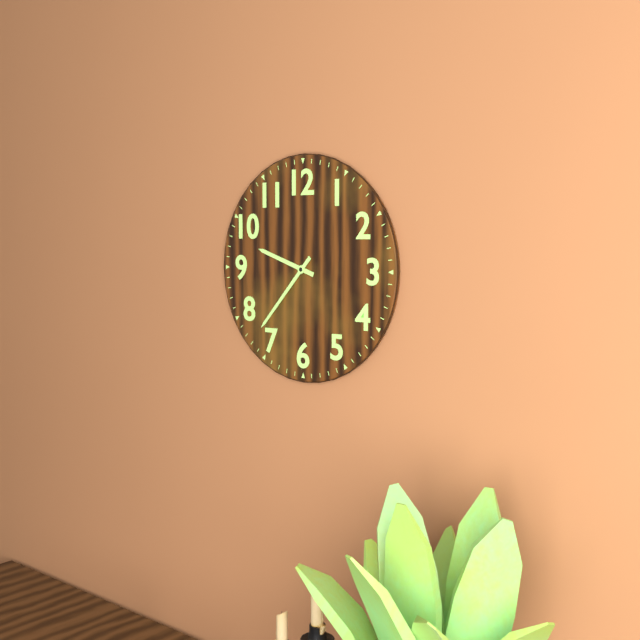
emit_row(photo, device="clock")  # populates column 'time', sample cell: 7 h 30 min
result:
9 h 37 min
